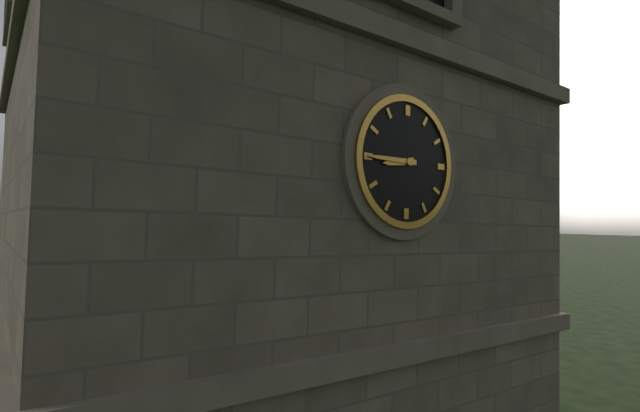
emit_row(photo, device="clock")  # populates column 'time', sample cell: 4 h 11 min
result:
8 h 45 min
